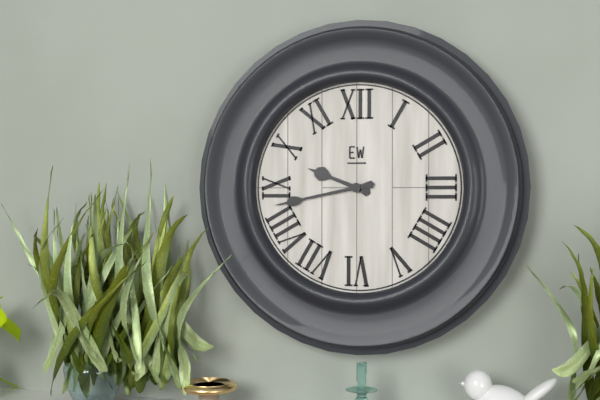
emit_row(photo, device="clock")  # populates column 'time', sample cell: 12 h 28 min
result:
9 h 43 min
